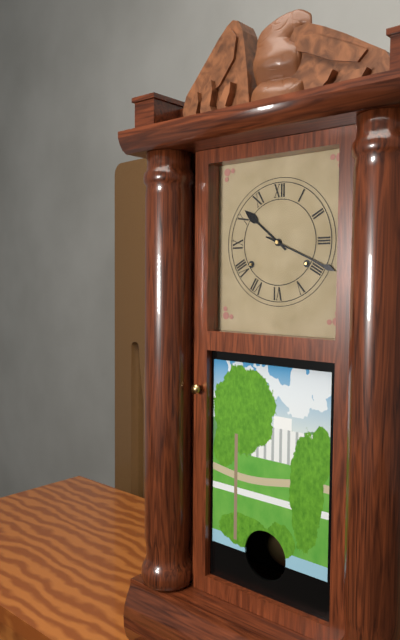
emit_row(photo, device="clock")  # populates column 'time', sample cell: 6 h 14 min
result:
10 h 19 min
